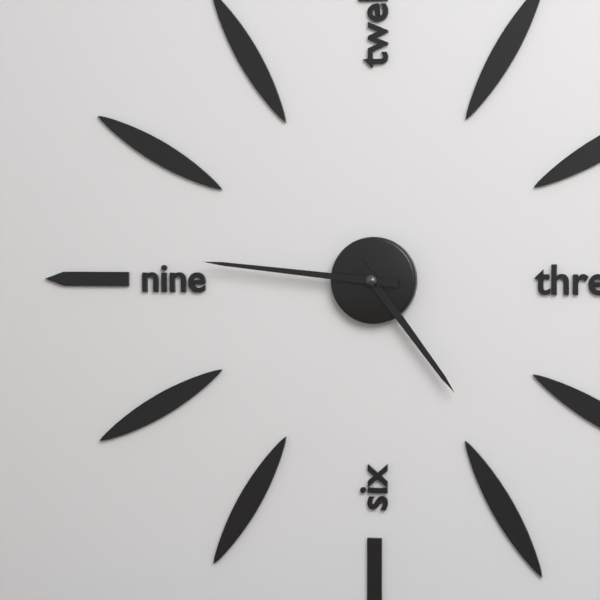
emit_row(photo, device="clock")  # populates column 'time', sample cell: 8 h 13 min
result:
4 h 46 min
